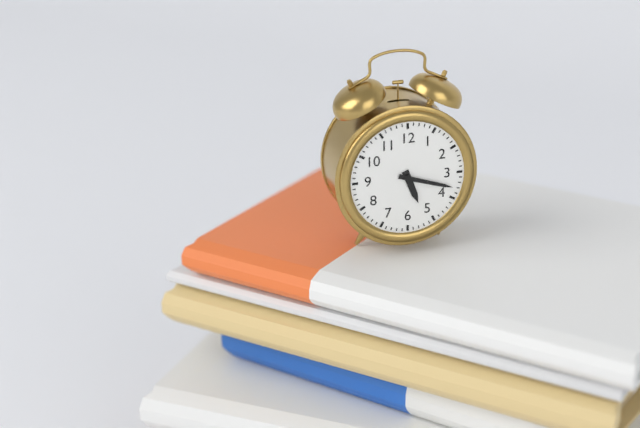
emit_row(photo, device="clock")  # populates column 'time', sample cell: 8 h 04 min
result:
5 h 18 min
